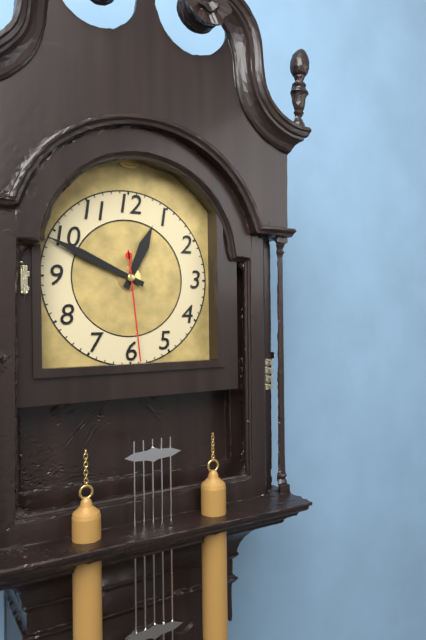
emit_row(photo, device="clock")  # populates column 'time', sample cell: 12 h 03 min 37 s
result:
12 h 49 min 29 s
